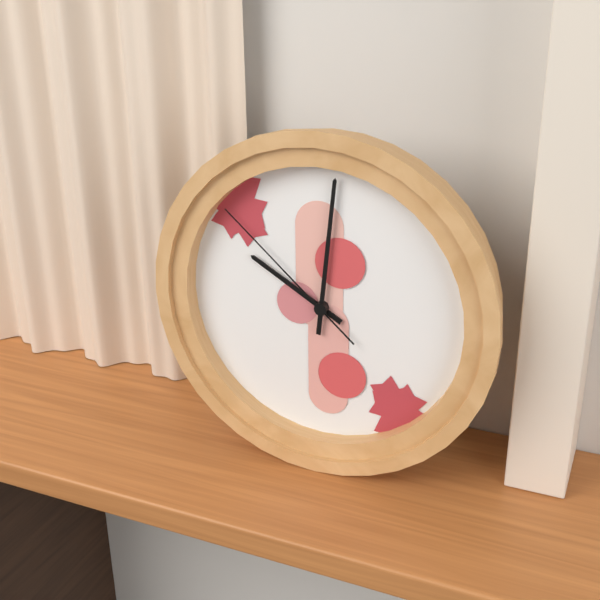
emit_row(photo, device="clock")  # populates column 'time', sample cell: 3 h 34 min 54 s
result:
10 h 01 min 52 s
